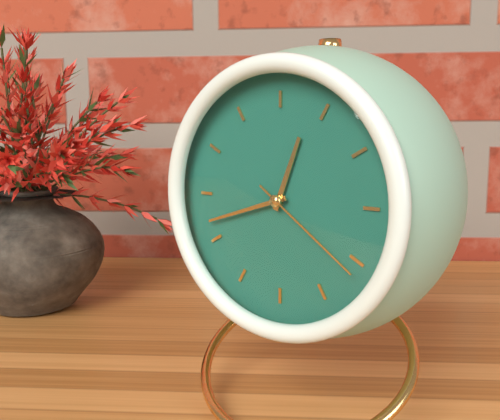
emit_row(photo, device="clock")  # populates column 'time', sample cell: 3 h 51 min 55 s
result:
12 h 42 min 21 s
